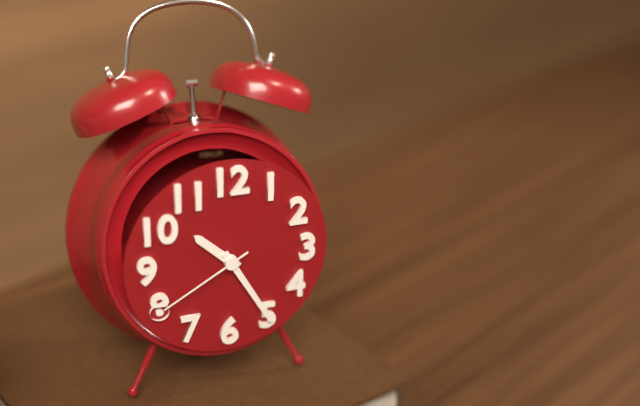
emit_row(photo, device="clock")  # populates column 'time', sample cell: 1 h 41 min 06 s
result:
10 h 25 min 40 s
